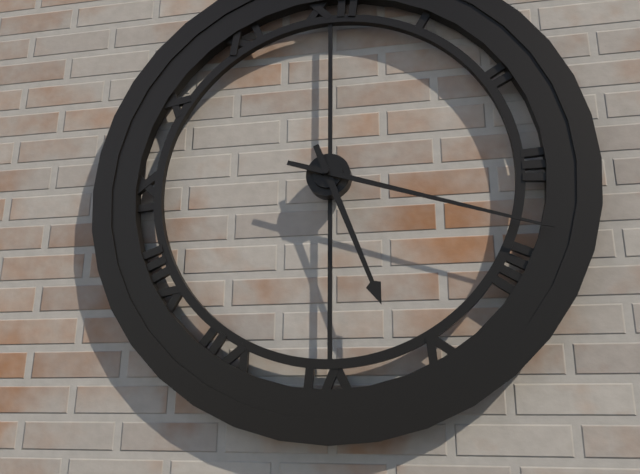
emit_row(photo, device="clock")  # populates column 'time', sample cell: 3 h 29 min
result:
5 h 18 min
